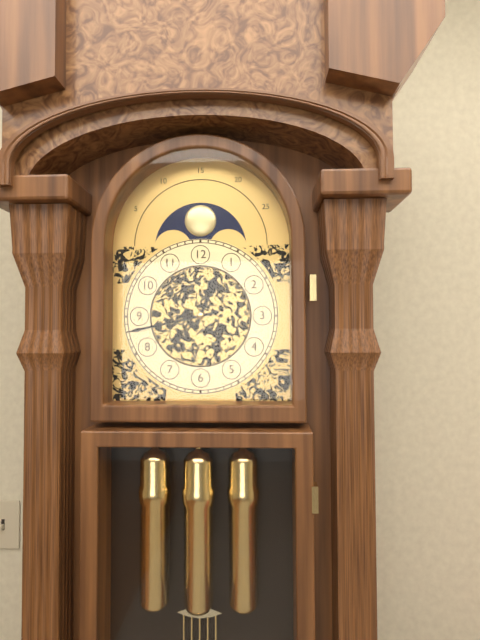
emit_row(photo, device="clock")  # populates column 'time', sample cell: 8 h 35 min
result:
12 h 43 min
